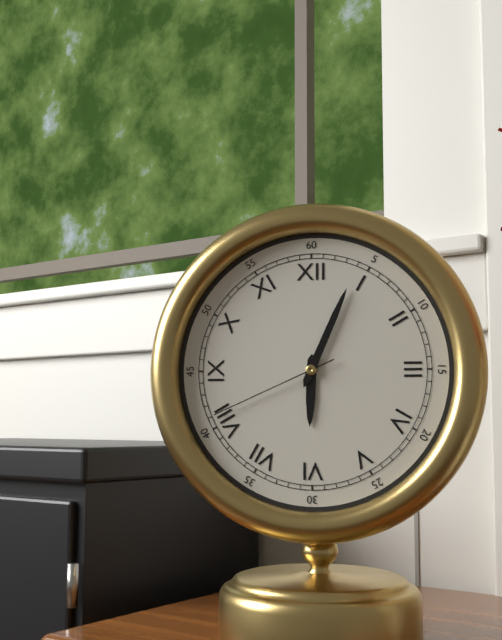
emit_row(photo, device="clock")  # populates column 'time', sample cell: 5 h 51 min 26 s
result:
6 h 04 min 41 s
